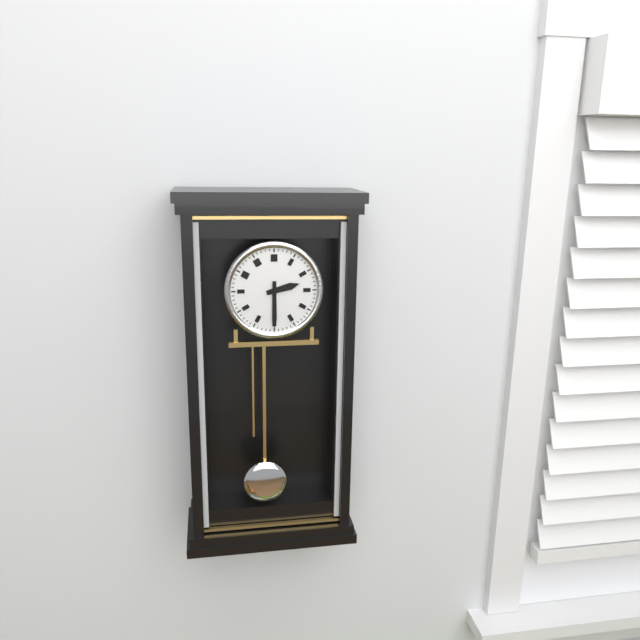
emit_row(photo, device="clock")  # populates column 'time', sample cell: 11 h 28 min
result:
2 h 30 min
